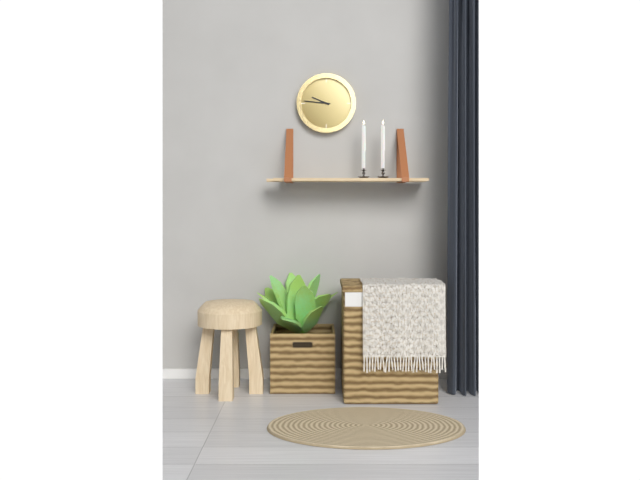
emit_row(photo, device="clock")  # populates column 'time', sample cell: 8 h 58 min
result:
9 h 46 min
